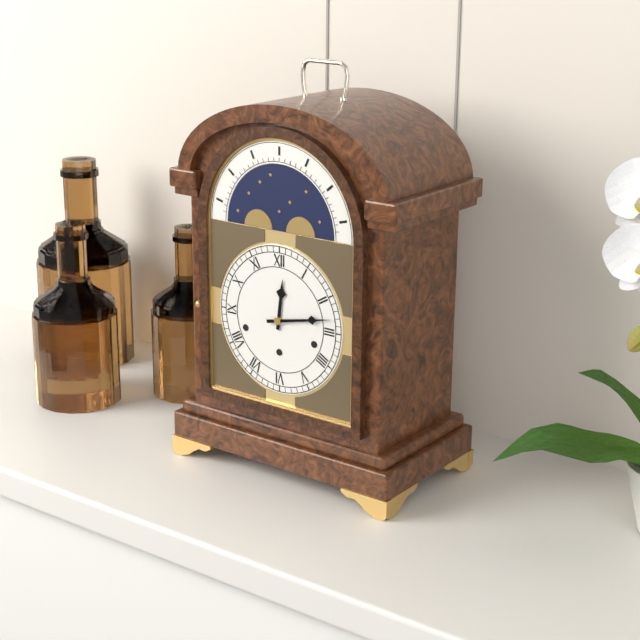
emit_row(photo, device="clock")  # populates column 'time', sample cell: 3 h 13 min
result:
12 h 13 min
